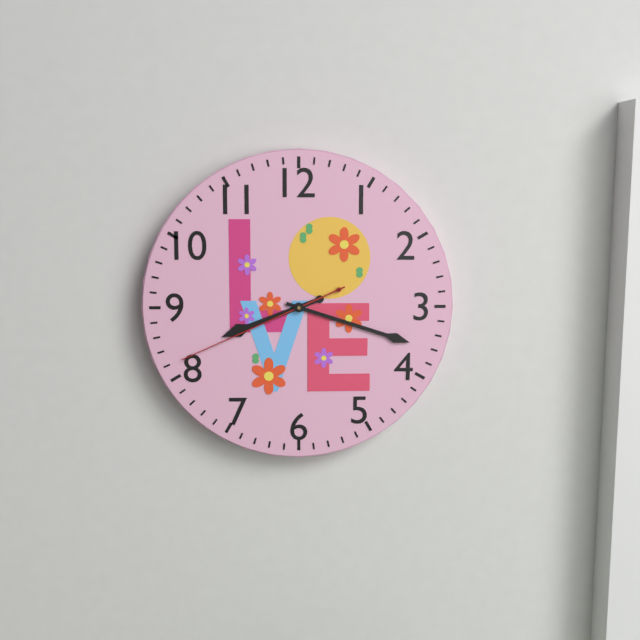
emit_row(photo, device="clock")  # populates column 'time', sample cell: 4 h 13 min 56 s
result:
8 h 18 min 41 s
